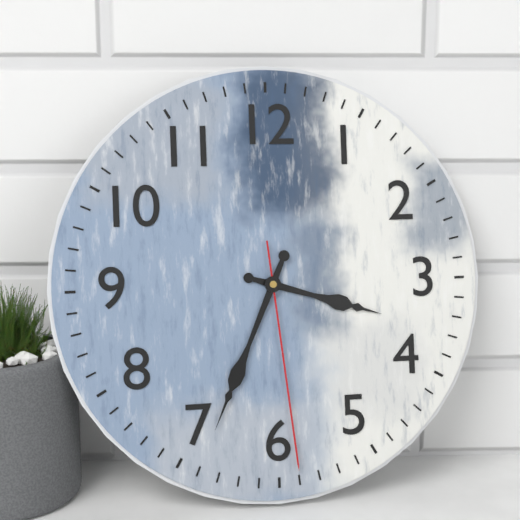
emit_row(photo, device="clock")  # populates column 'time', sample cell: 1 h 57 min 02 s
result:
3 h 34 min 29 s
